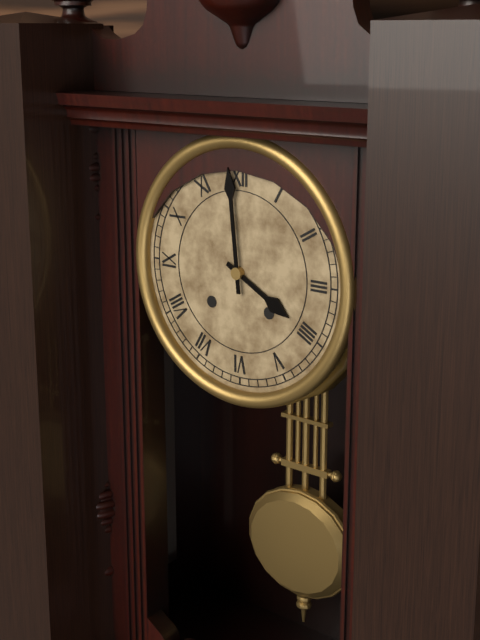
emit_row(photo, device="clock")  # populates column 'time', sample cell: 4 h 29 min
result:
3 h 59 min
